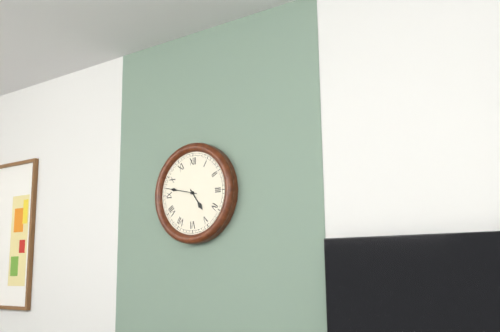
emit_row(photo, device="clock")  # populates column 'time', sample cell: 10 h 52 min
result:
4 h 47 min
